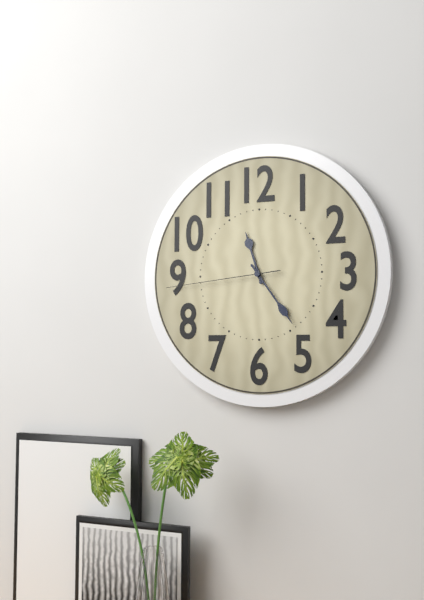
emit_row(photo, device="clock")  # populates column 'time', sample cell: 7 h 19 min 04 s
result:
11 h 24 min 44 s
